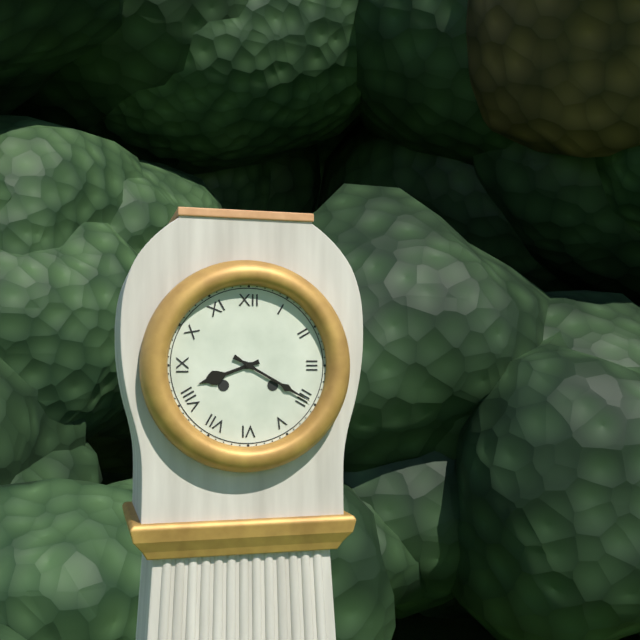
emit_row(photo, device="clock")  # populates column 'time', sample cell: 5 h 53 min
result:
8 h 20 min
